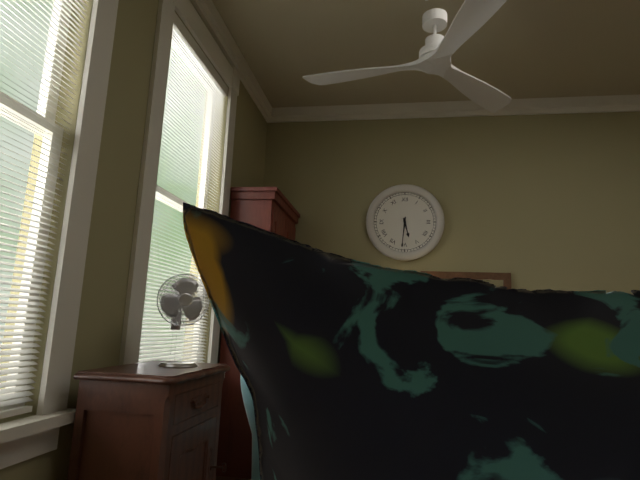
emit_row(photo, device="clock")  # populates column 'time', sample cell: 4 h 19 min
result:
5 h 31 min
